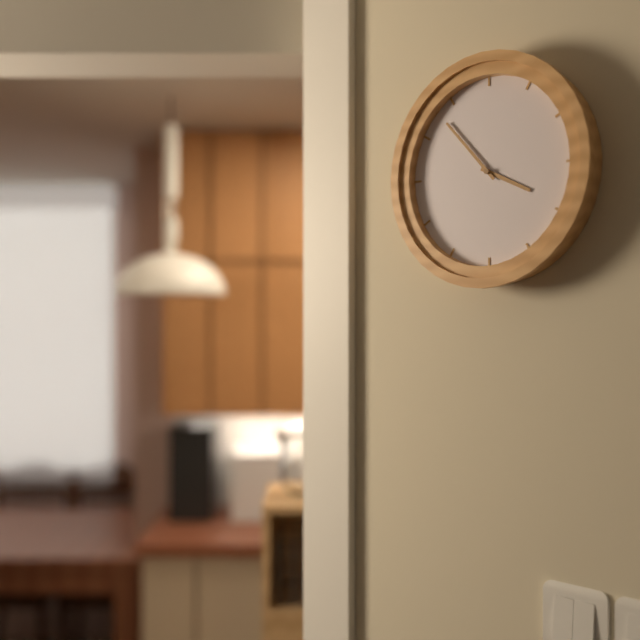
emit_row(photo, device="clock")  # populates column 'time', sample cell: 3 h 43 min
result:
3 h 53 min
